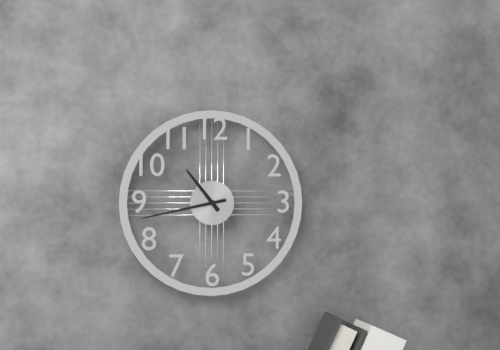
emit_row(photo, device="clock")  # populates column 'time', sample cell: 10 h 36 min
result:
10 h 43 min
